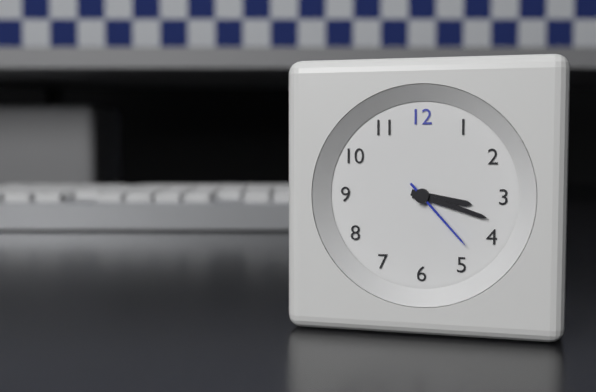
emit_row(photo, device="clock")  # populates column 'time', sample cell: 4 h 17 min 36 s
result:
3 h 18 min 23 s
